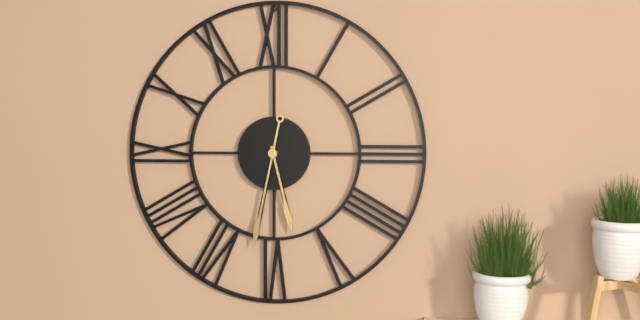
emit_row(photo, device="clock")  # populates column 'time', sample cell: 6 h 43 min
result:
5 h 32 min
